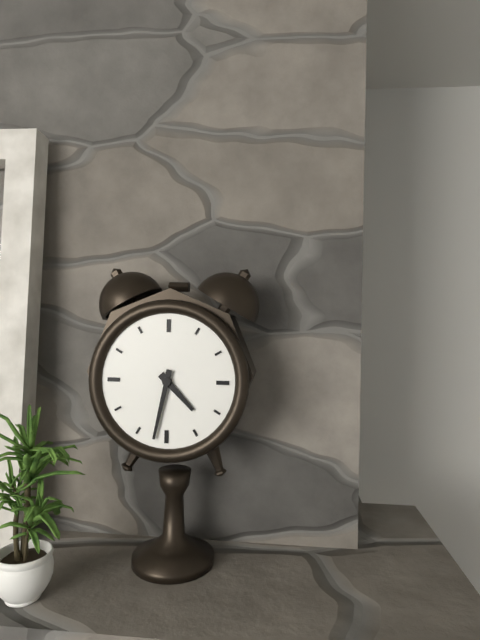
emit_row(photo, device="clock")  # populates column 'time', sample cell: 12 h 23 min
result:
4 h 32 min
